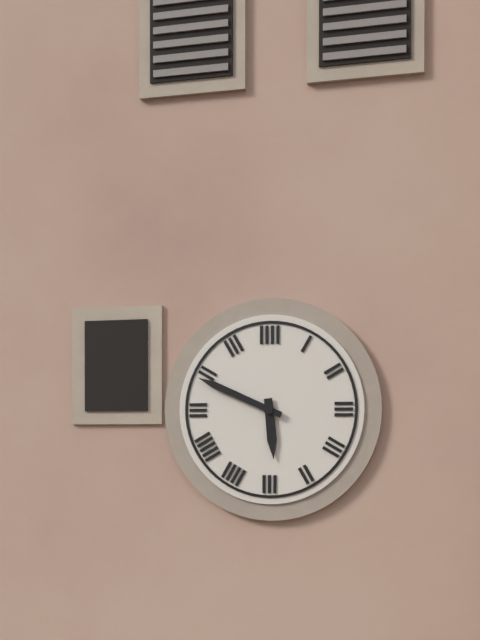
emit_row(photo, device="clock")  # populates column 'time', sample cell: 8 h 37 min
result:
5 h 49 min
